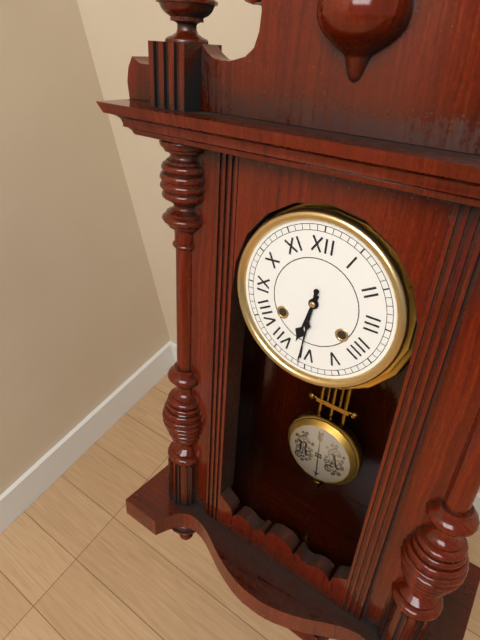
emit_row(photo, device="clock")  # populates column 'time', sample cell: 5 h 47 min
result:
6 h 31 min
